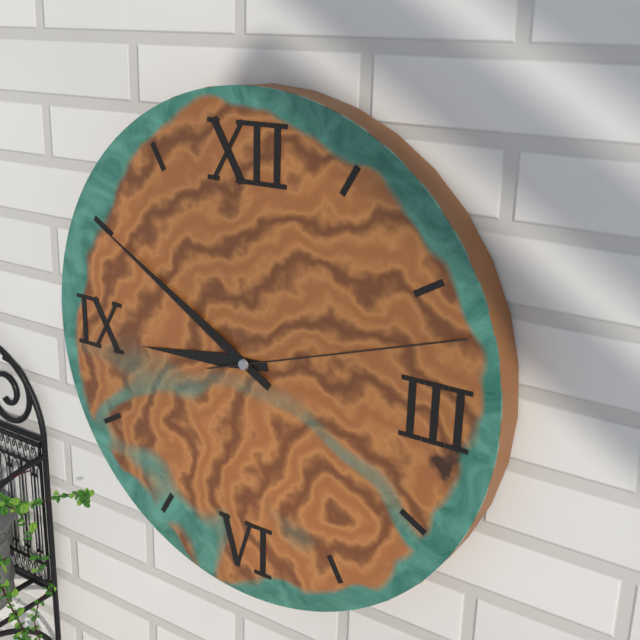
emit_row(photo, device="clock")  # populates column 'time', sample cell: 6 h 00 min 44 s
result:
8 h 50 min 12 s
